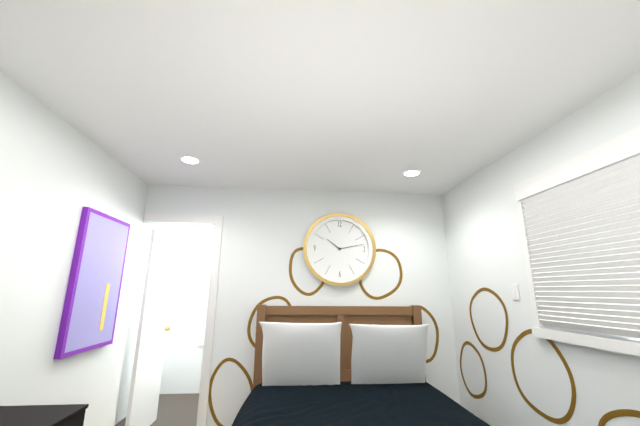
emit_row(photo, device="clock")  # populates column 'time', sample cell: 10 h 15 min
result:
10 h 13 min
